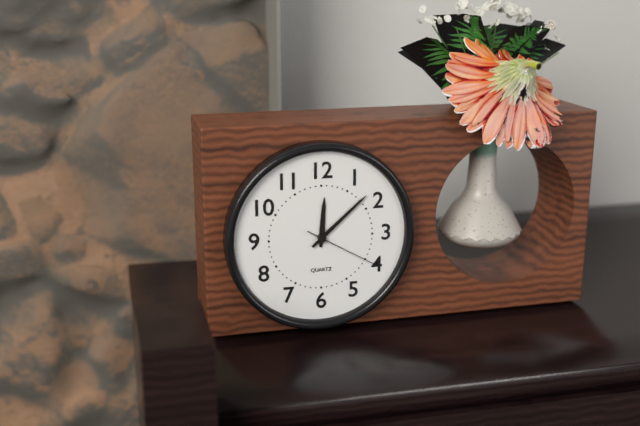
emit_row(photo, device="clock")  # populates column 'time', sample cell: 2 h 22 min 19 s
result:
12 h 08 min 20 s
